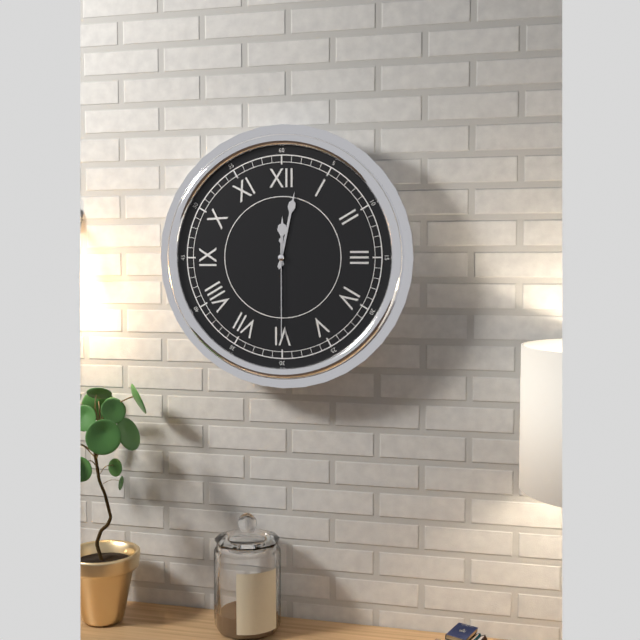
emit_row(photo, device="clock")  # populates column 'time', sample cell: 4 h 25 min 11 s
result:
12 h 02 min 30 s
